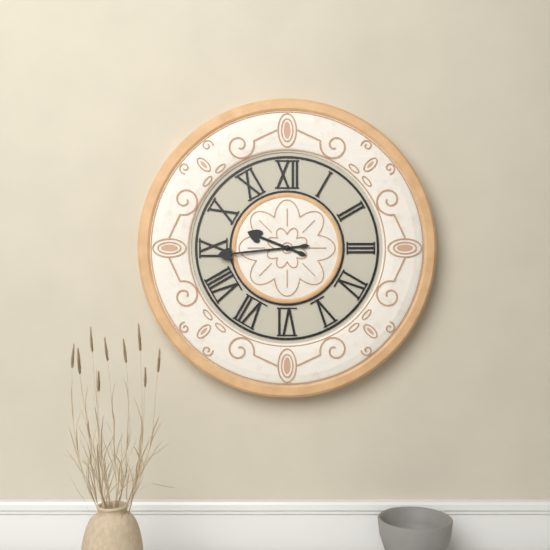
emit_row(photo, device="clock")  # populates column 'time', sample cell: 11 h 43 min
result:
9 h 44 min
